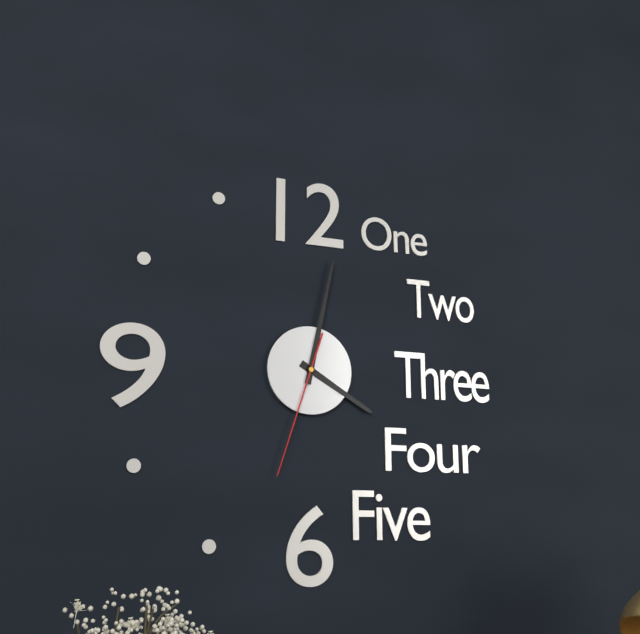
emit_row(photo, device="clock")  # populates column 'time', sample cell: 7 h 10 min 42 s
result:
4 h 02 min 33 s
